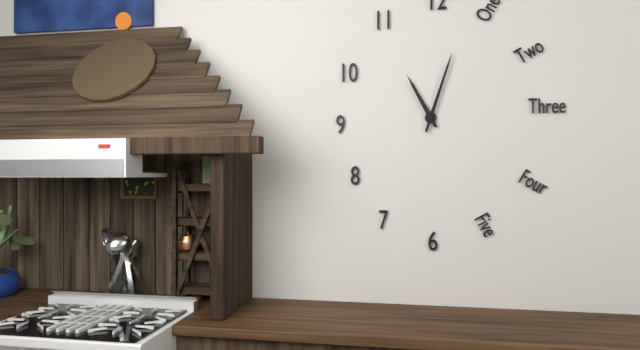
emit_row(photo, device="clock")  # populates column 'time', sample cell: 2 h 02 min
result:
11 h 03 min
